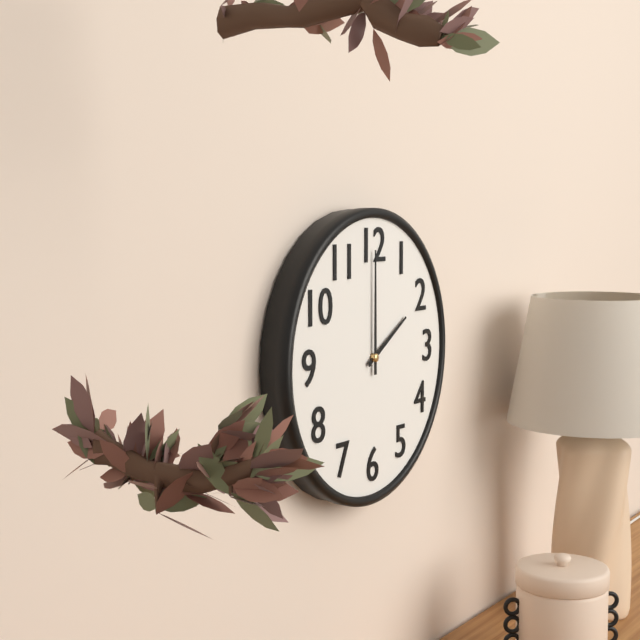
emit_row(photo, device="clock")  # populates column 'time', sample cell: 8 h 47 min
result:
2 h 00 min
